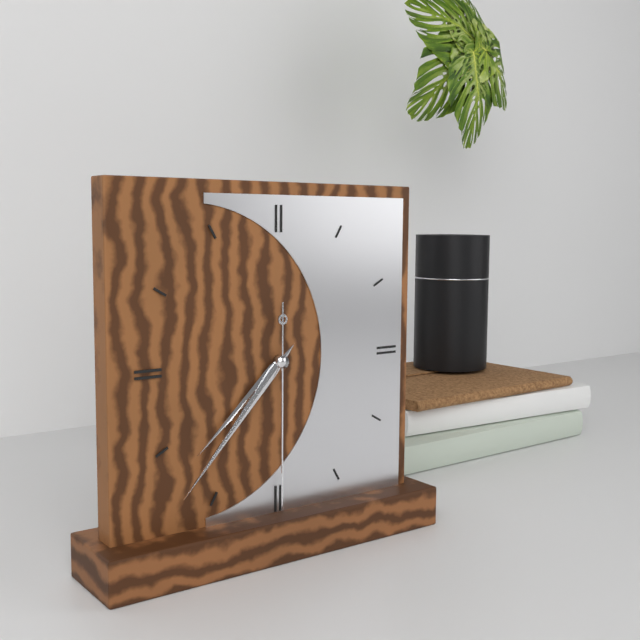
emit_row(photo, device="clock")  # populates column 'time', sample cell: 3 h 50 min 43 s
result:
7 h 37 min 30 s
